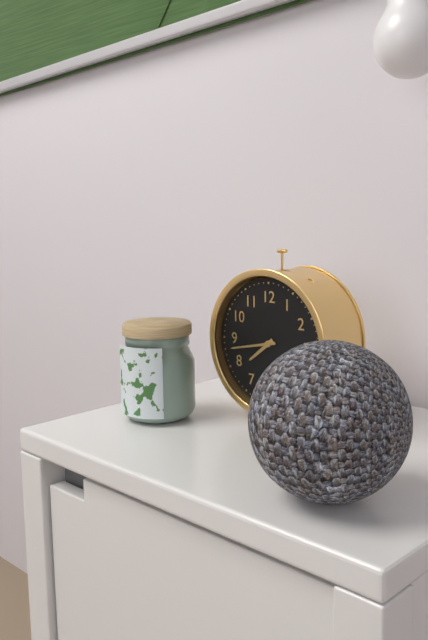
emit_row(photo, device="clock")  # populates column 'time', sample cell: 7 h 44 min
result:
7 h 43 min
